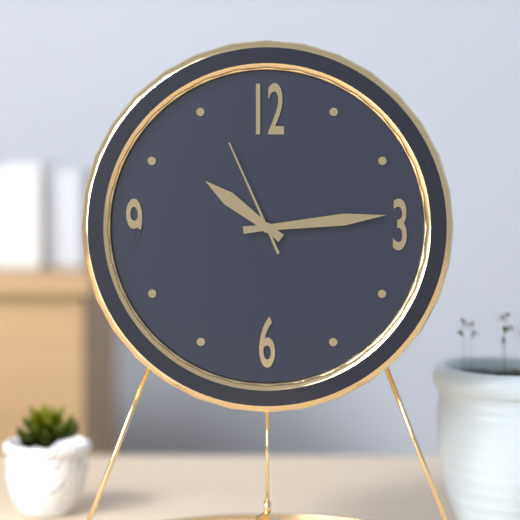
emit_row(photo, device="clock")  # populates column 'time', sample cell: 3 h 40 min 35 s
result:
10 h 14 min 56 s
